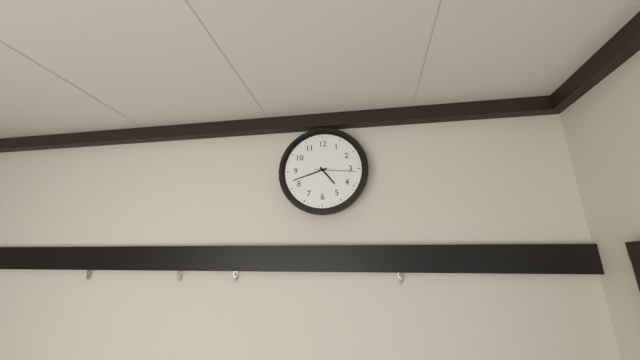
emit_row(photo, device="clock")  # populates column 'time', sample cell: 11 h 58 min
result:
4 h 42 min
